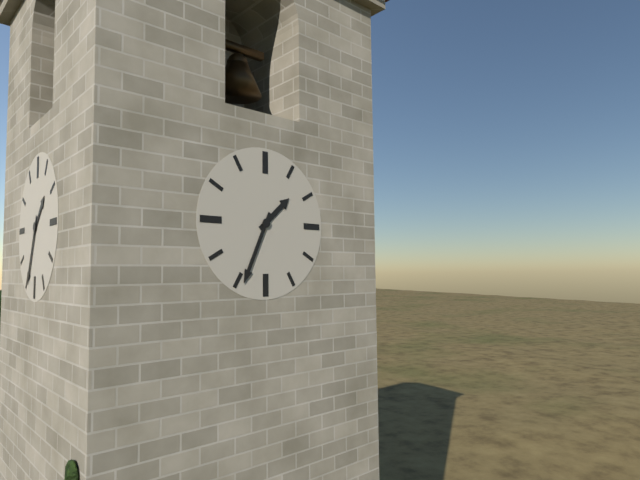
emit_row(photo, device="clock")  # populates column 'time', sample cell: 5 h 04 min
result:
1 h 34 min
